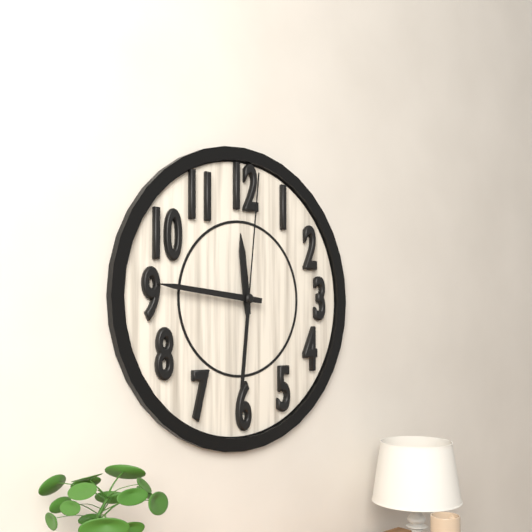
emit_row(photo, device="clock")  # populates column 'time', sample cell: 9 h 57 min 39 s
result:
11 h 46 min 01 s
